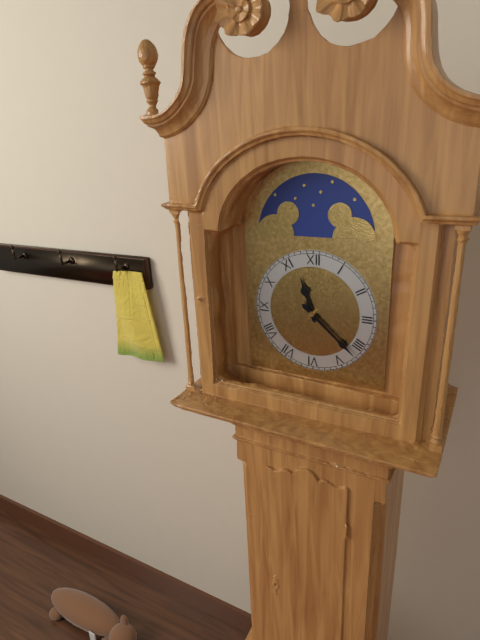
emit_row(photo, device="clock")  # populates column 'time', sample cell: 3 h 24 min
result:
11 h 22 min
